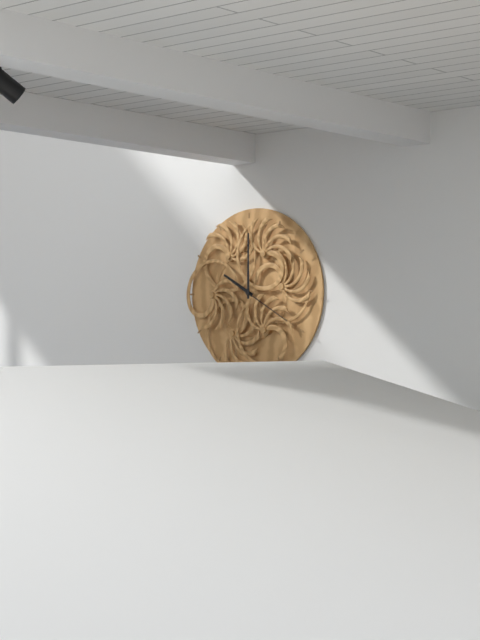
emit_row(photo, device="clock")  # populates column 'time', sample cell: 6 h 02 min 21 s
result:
10 h 00 min 20 s
